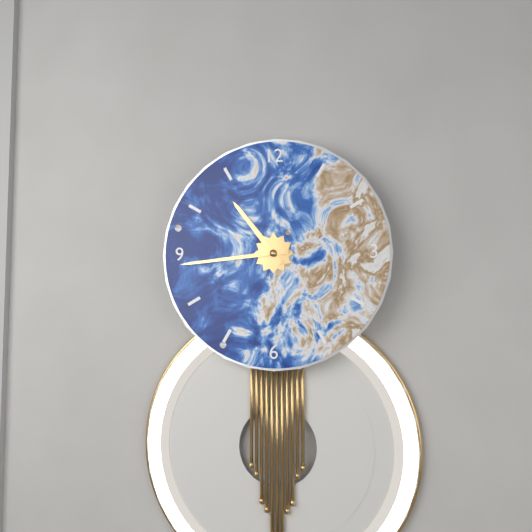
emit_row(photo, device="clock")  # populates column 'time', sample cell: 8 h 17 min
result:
10 h 44 min
